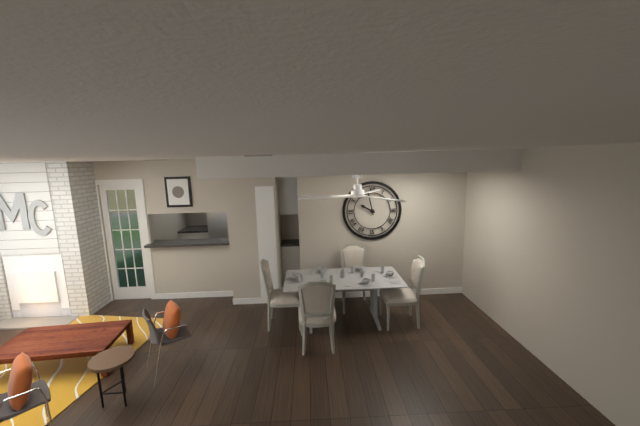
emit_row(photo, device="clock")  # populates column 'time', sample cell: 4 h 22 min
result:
9 h 58 min
